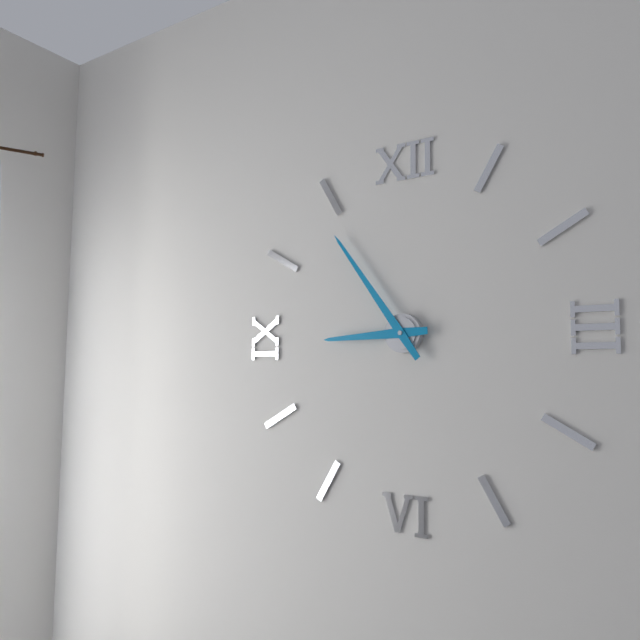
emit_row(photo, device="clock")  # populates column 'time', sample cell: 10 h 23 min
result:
8 h 54 min
